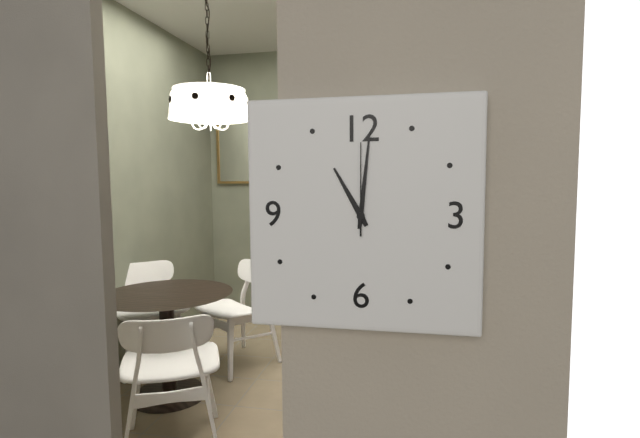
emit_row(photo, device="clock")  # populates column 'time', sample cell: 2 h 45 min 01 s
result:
11 h 01 min 00 s
